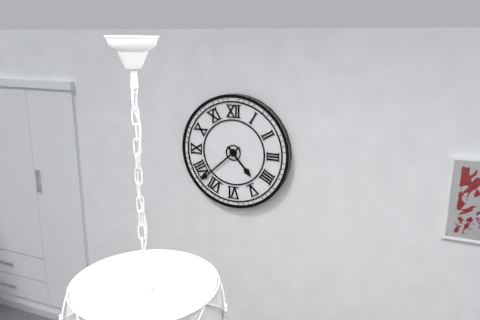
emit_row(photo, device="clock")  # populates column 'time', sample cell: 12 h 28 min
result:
4 h 38 min
